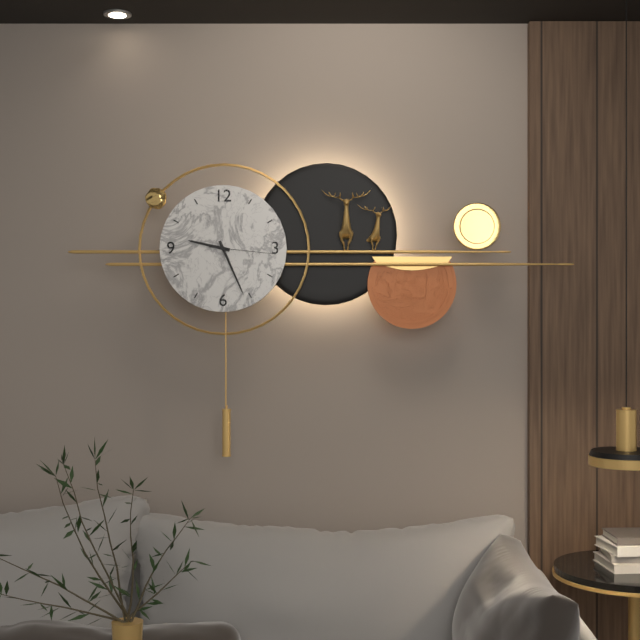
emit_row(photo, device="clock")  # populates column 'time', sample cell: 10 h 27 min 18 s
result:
9 h 26 min 16 s
